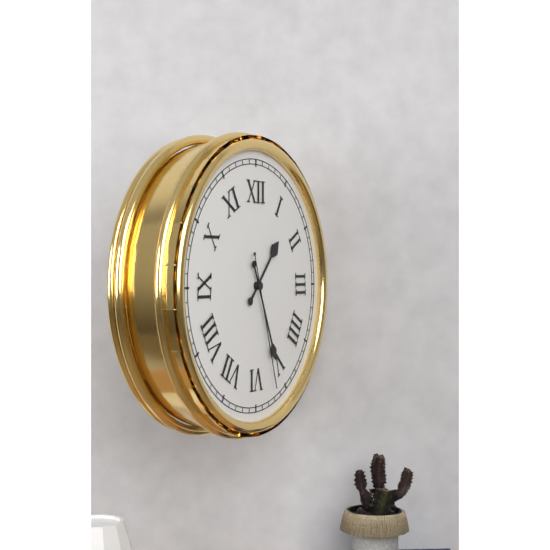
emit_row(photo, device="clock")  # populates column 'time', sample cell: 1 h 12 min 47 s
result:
1 h 26 min 27 s
